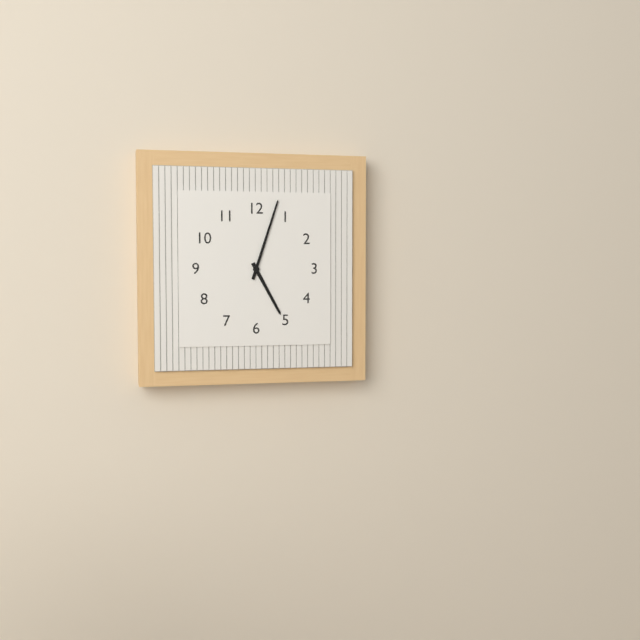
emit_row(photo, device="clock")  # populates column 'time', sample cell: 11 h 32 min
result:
5 h 03 min
